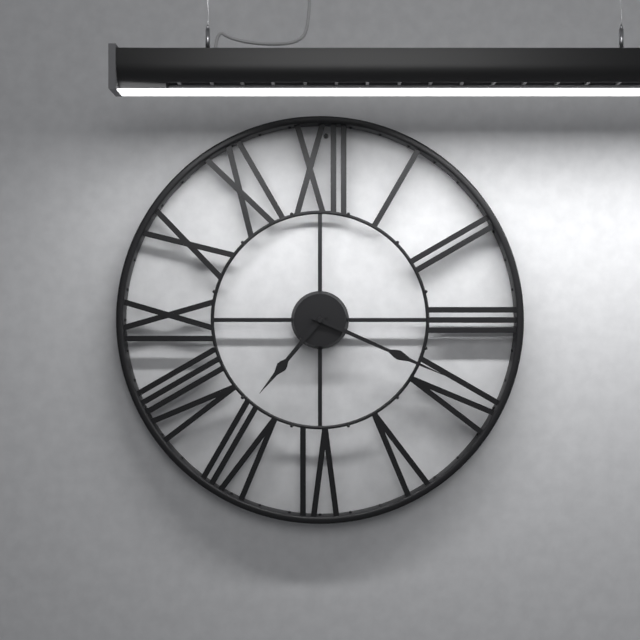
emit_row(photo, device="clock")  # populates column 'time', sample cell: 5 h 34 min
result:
7 h 19 min
